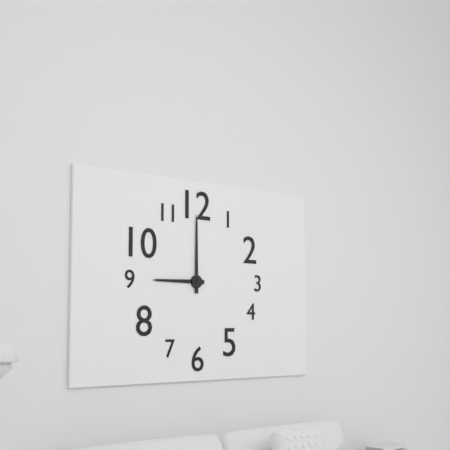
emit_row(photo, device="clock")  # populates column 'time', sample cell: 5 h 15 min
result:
9 h 00 min
